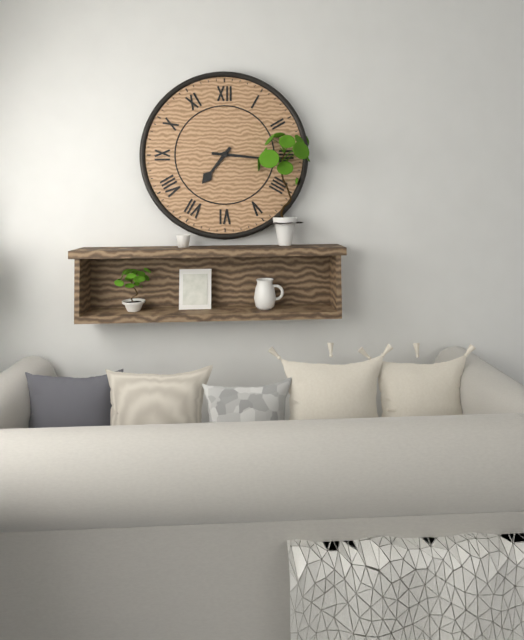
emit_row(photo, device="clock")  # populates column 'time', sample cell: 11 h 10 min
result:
7 h 16 min
